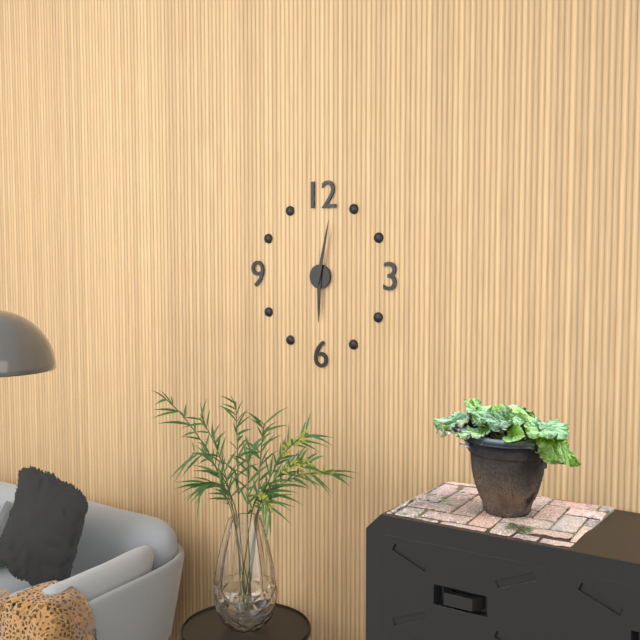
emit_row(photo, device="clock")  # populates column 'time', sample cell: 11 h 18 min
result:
6 h 02 min
